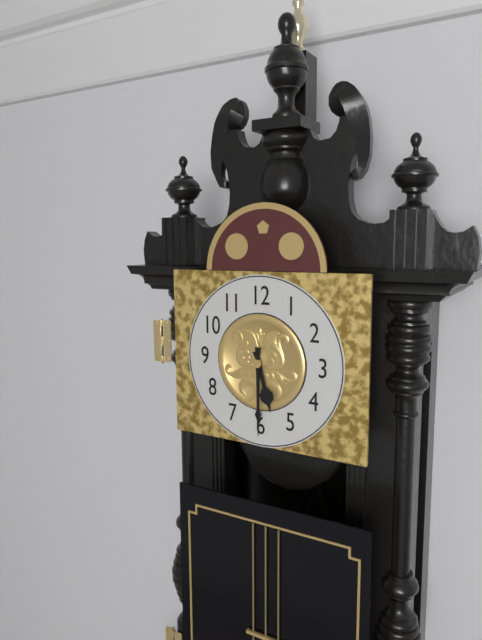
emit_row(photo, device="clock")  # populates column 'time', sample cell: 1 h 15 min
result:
5 h 30 min
